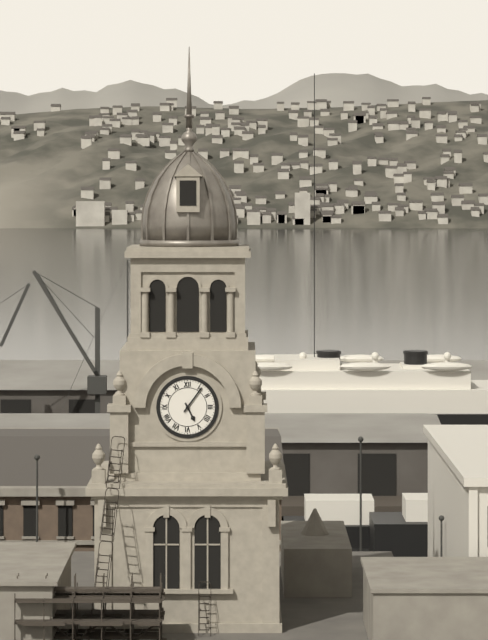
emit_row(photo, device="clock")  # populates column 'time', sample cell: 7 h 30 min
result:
5 h 06 min
